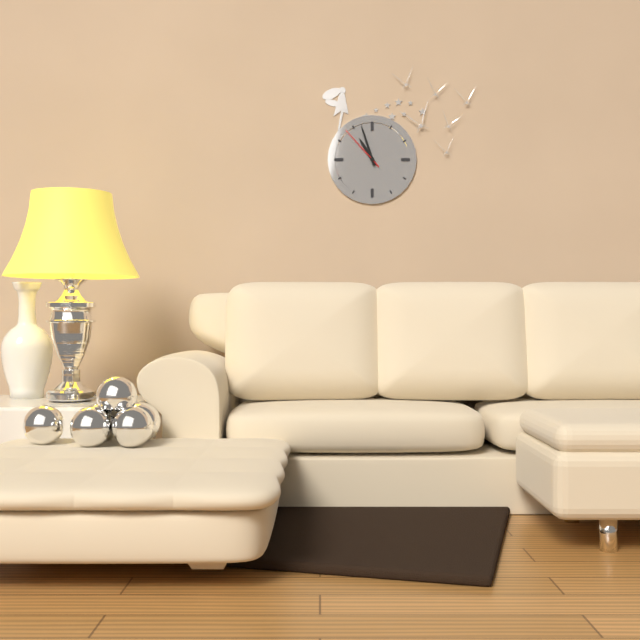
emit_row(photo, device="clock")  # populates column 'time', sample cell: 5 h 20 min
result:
10 h 57 min
